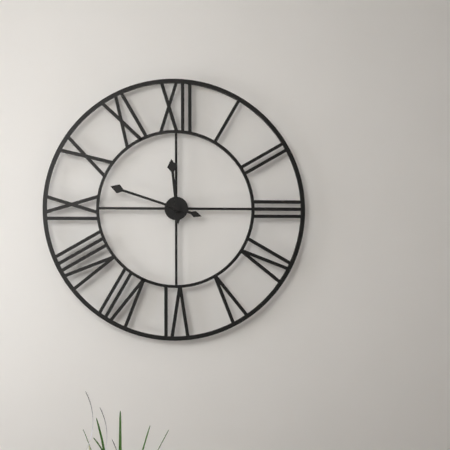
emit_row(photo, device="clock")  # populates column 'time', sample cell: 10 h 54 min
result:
11 h 48 min
